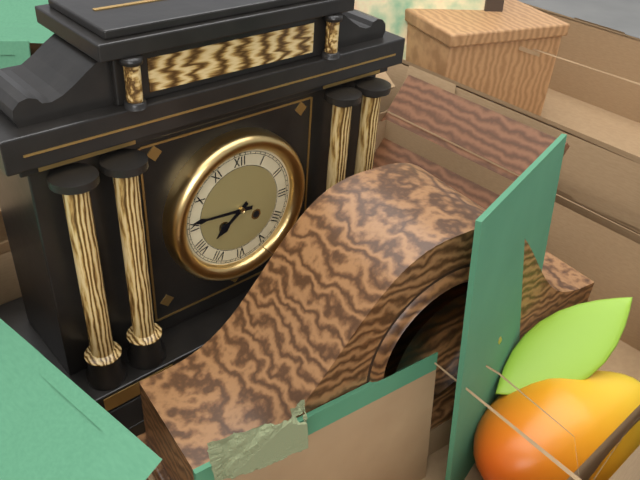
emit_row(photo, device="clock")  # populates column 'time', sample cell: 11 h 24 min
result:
7 h 46 min
